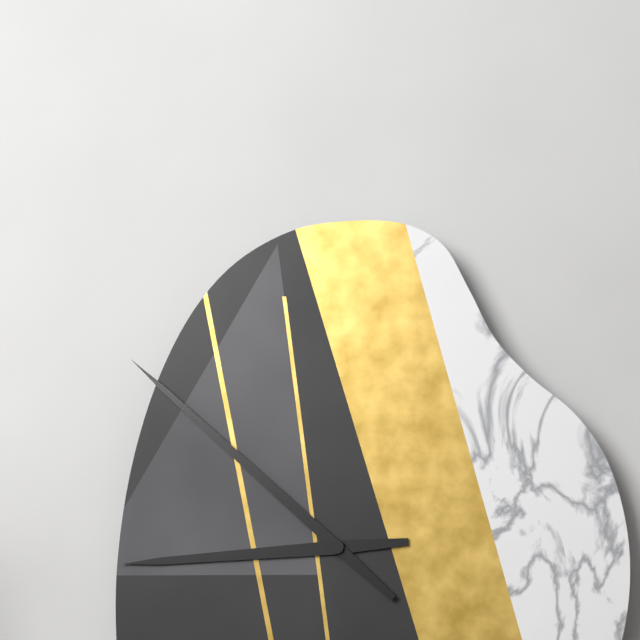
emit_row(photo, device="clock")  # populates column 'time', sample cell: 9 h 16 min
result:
8 h 52 min
